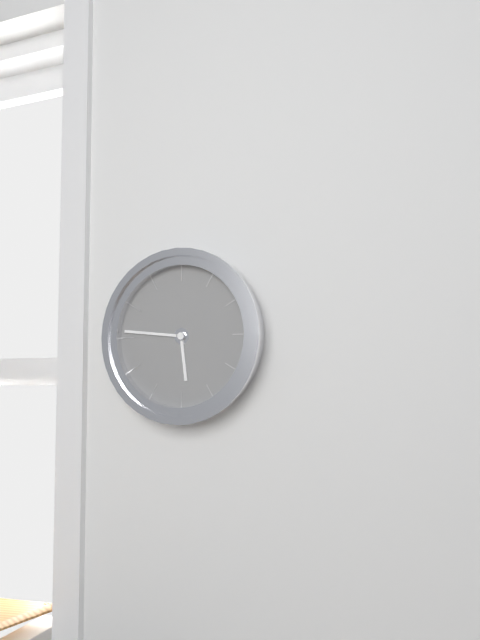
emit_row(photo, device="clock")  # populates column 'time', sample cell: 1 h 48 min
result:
5 h 46 min
